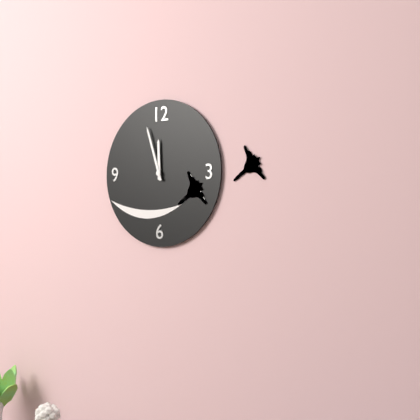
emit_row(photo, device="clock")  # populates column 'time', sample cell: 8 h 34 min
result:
11 h 57 min
